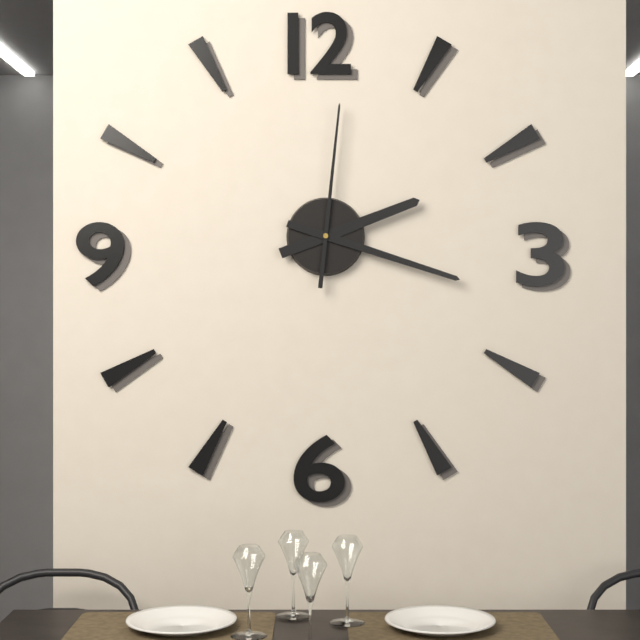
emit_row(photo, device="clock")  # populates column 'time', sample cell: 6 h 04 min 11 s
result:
2 h 18 min 01 s
